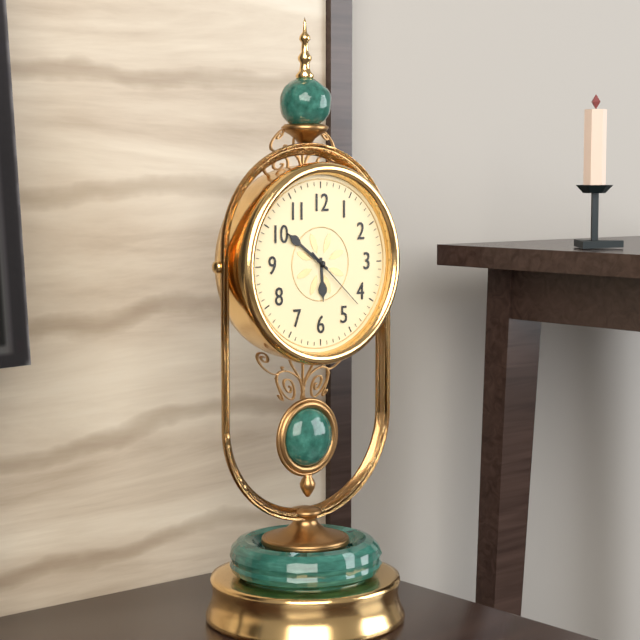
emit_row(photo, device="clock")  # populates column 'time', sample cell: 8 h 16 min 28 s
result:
5 h 51 min 22 s
